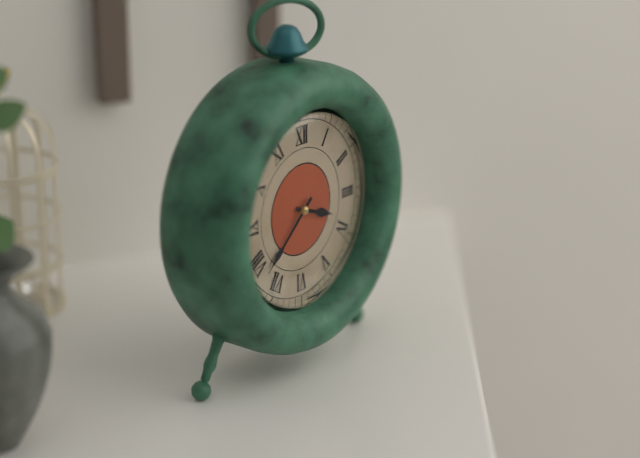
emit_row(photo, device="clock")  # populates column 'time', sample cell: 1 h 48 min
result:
3 h 38 min
